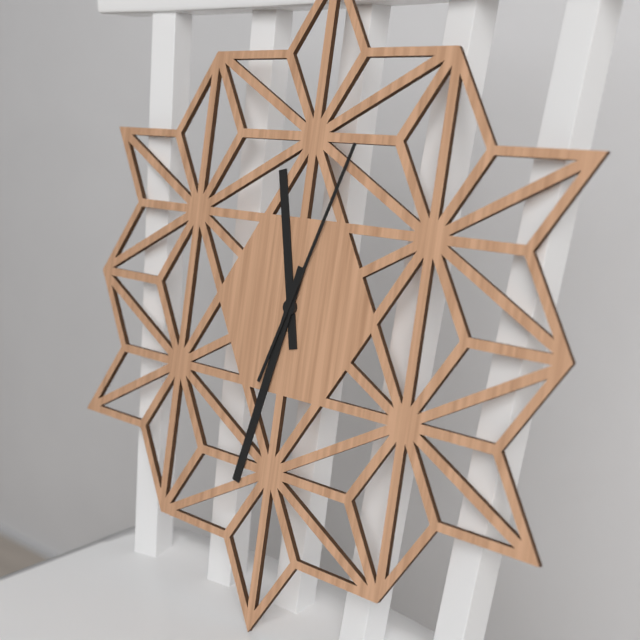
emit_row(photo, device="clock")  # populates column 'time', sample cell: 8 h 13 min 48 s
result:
11 h 32 min 03 s
